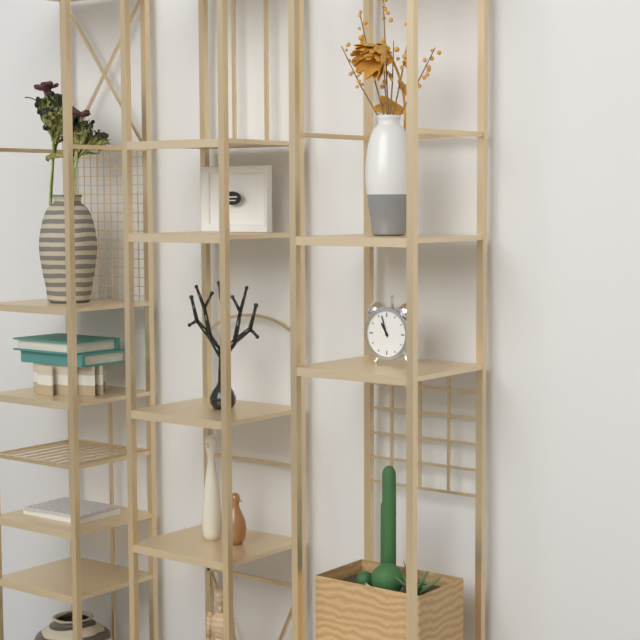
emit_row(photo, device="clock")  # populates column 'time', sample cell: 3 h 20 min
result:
10 h 57 min
